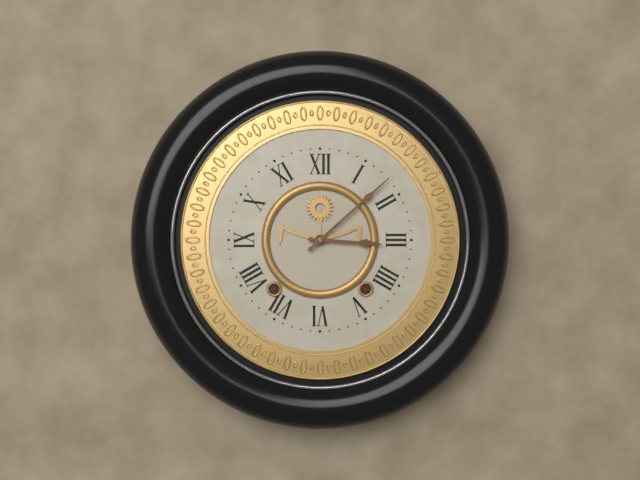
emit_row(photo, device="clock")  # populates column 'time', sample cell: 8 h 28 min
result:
3 h 08 min
